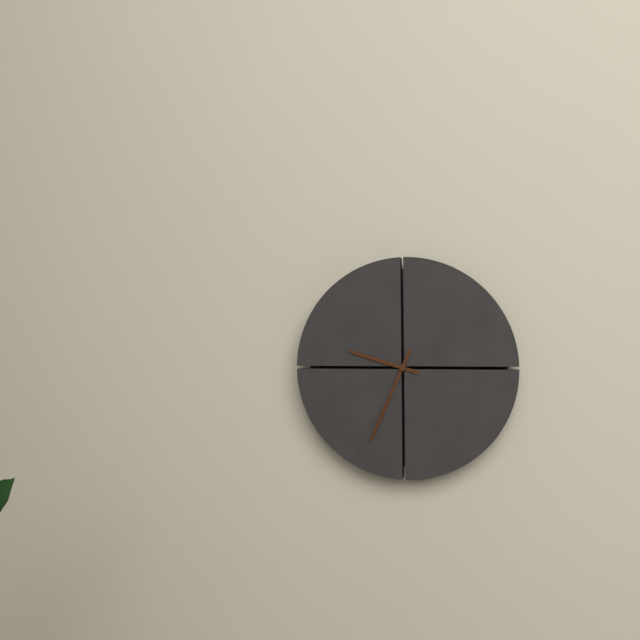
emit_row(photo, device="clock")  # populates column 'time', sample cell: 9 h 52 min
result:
9 h 34 min
